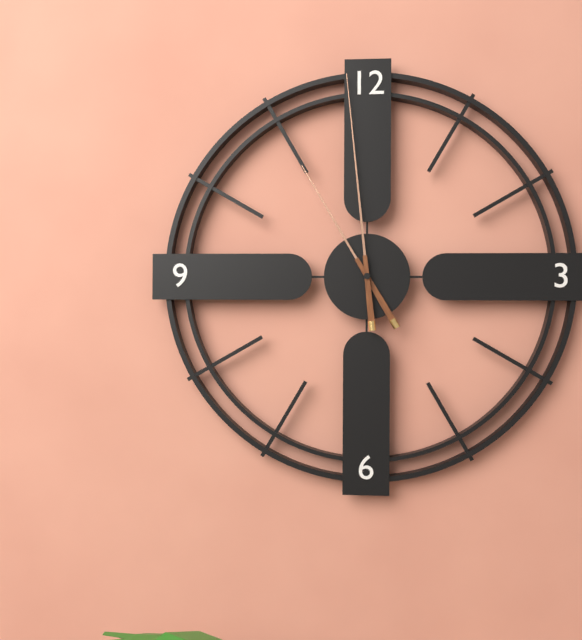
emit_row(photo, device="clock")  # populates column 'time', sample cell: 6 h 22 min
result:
10 h 59 min
